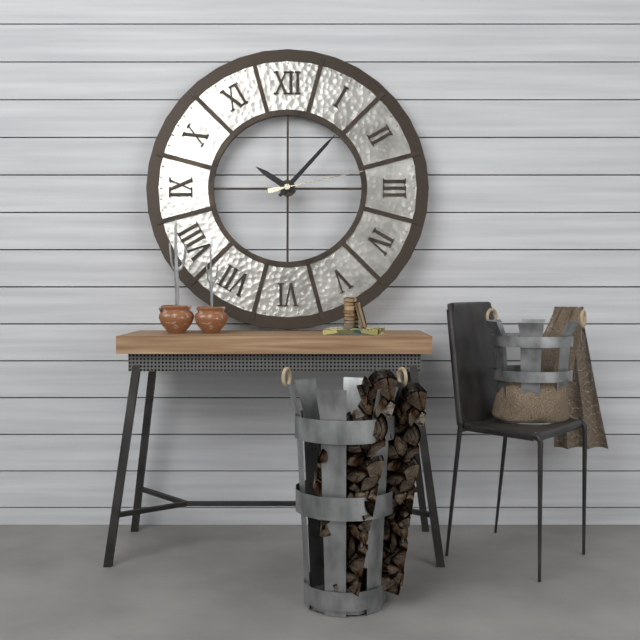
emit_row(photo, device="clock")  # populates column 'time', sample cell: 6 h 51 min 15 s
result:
10 h 07 min 13 s
